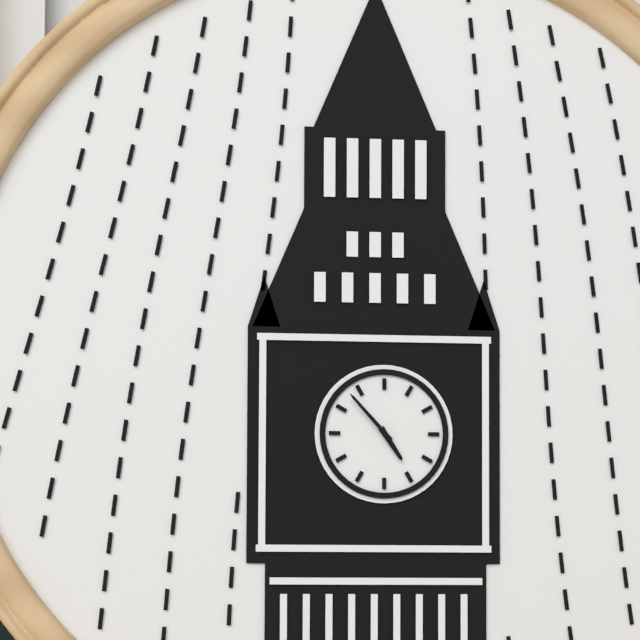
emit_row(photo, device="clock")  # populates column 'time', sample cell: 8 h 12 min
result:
4 h 53 min
